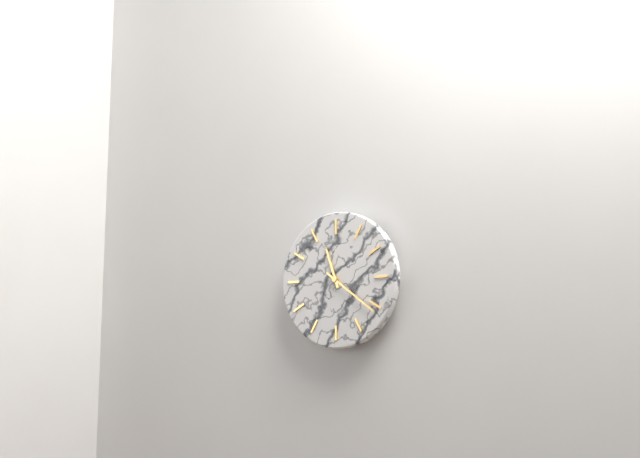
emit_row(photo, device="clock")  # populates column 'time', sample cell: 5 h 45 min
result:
11 h 21 min
